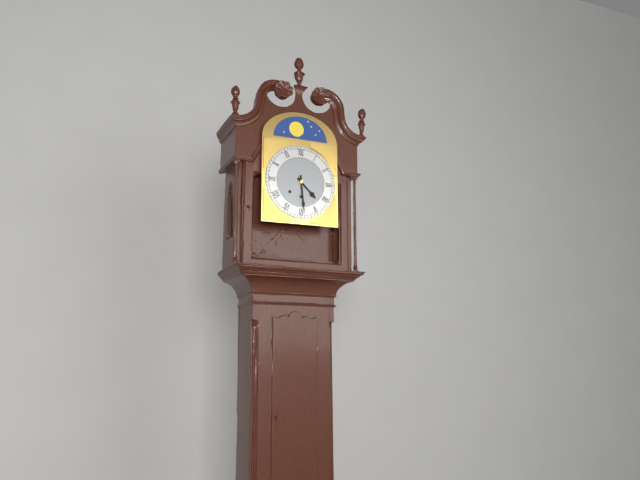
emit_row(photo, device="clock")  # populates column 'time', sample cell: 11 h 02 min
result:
4 h 29 min
